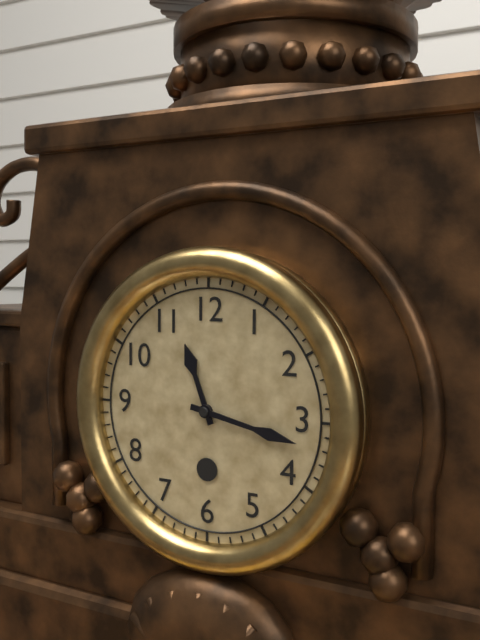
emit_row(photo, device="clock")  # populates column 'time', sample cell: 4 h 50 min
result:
11 h 17 min
